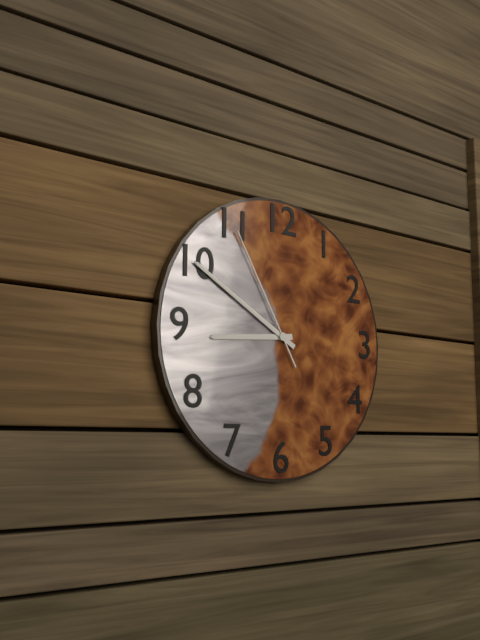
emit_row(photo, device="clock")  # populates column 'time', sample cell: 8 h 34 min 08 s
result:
8 h 50 min 55 s
